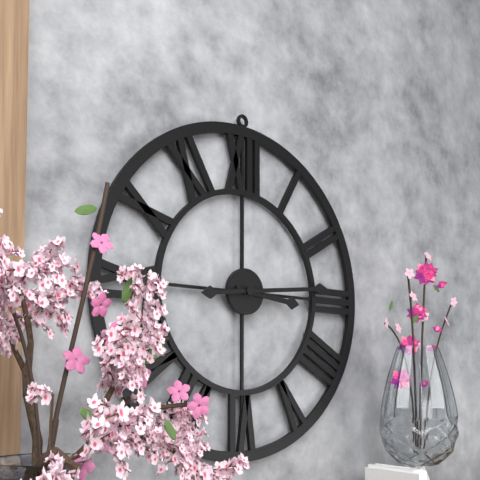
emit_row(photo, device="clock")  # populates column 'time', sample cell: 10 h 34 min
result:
3 h 14 min
